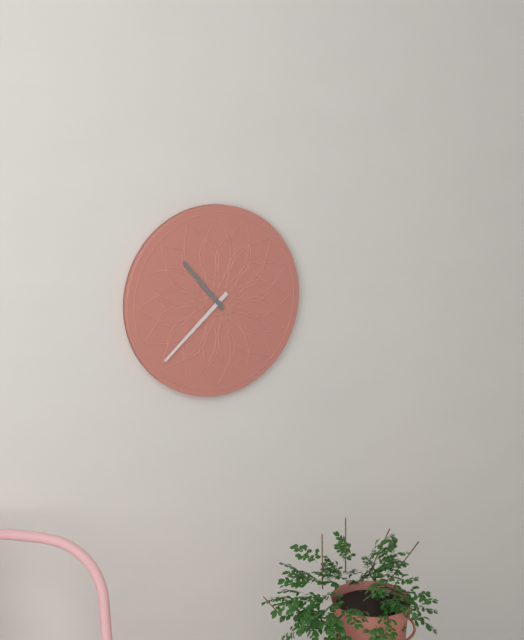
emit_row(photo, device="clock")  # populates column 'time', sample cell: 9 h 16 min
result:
10 h 38 min
